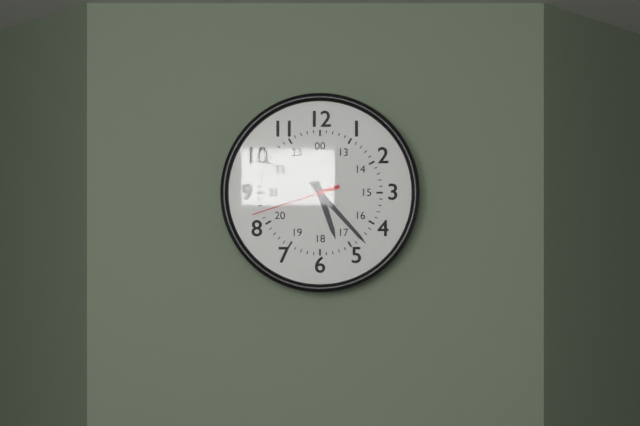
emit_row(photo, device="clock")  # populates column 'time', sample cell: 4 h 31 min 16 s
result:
5 h 23 min 42 s
